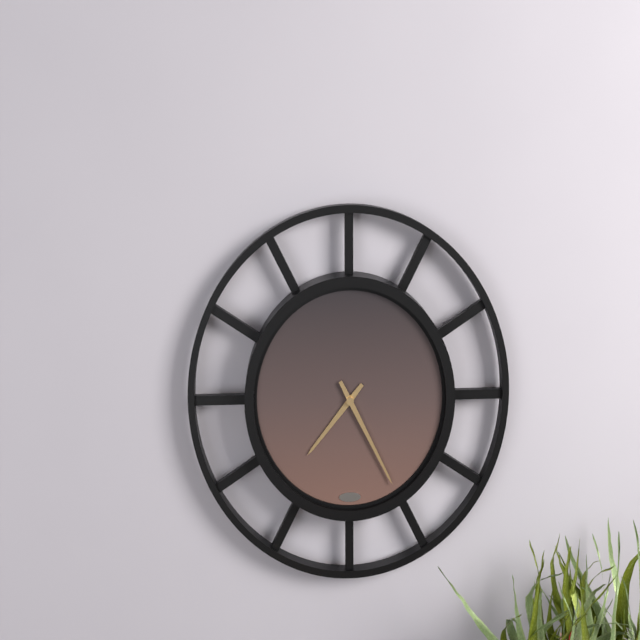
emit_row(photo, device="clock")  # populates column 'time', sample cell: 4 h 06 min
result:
7 h 25 min
